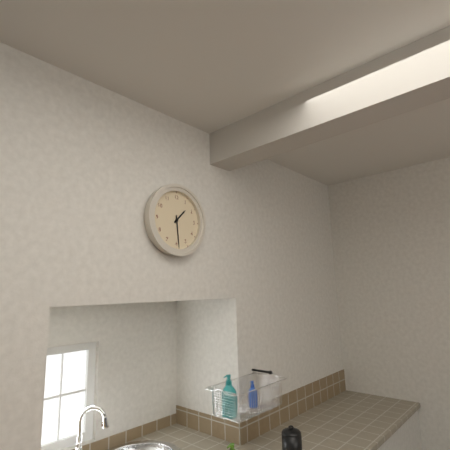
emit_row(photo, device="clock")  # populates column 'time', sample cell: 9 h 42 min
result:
1 h 29 min
